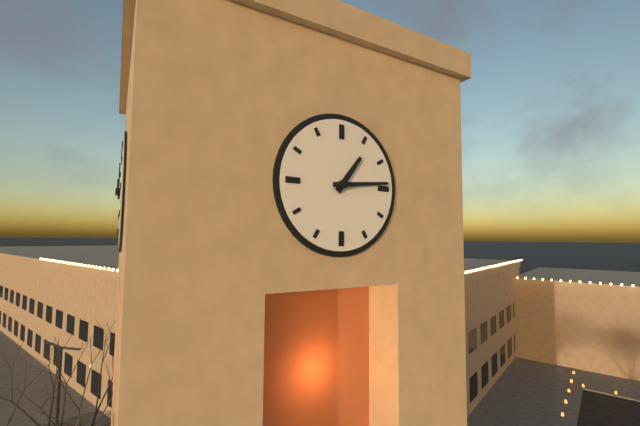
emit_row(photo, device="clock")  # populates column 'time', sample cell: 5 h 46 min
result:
1 h 14 min
